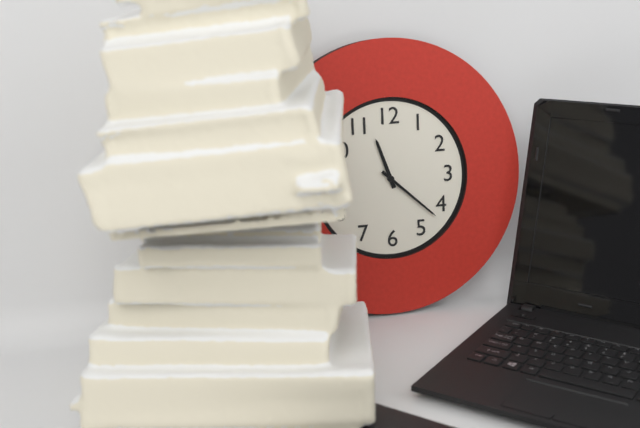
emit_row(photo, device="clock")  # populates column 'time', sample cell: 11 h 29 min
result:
11 h 22 min
